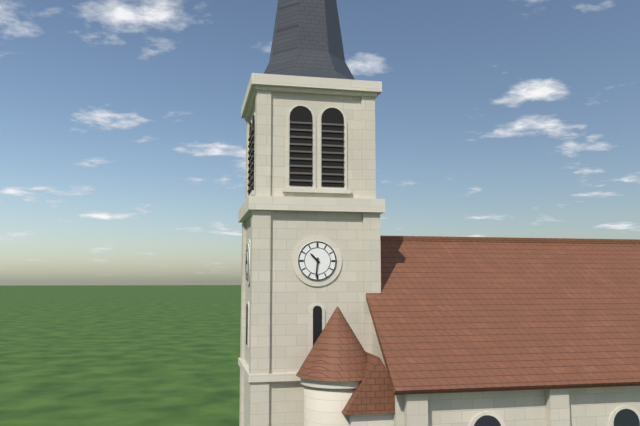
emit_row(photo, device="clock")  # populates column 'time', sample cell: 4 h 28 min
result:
10 h 31 min
